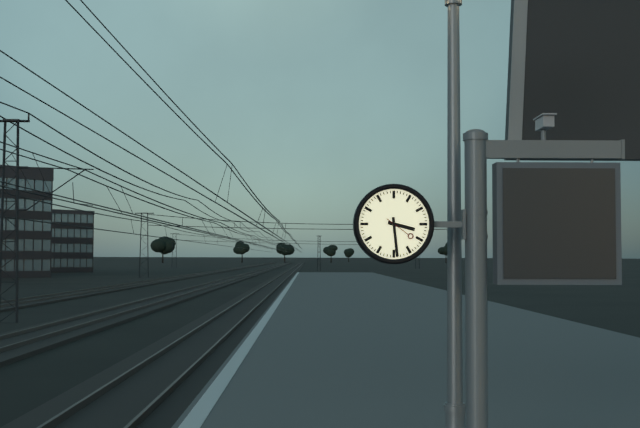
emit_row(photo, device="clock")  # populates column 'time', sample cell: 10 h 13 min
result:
3 h 29 min
